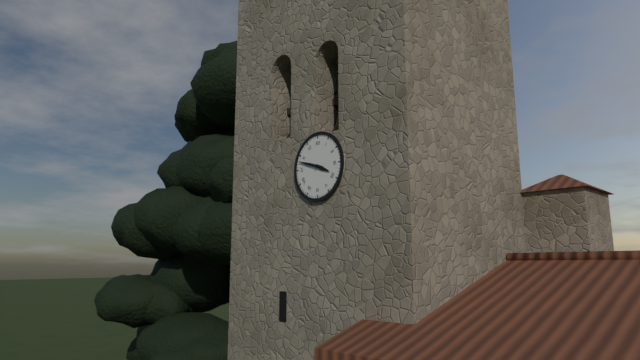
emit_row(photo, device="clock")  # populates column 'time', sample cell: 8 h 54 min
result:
3 h 48 min
